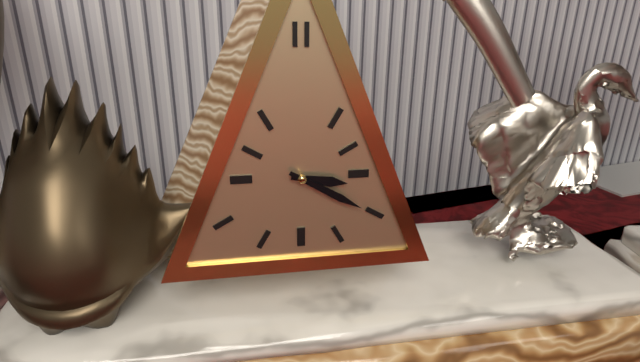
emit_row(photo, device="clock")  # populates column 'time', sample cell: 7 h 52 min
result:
3 h 20 min
